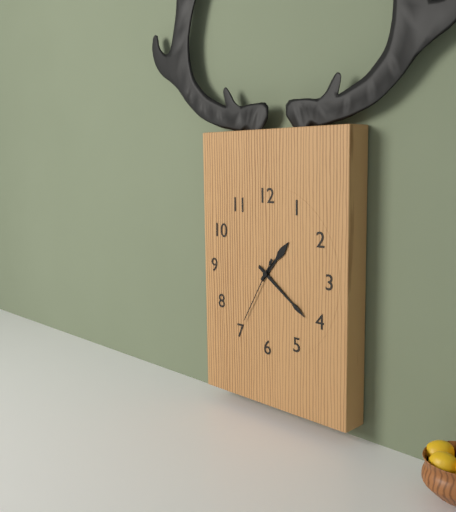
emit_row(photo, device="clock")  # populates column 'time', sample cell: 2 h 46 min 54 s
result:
1 h 21 min 35 s
